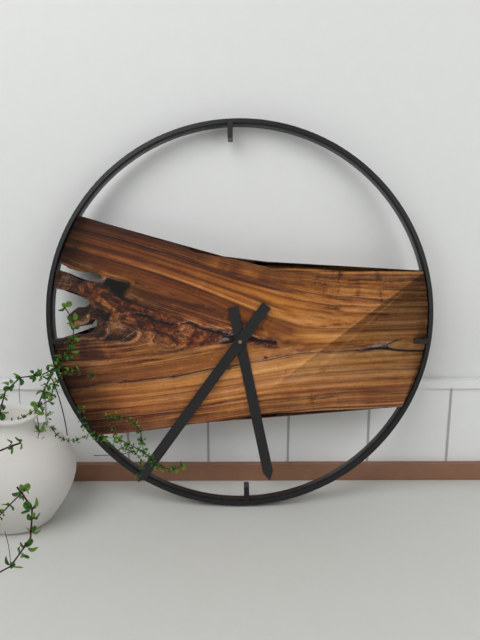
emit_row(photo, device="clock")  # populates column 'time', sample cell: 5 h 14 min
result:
5 h 36 min
